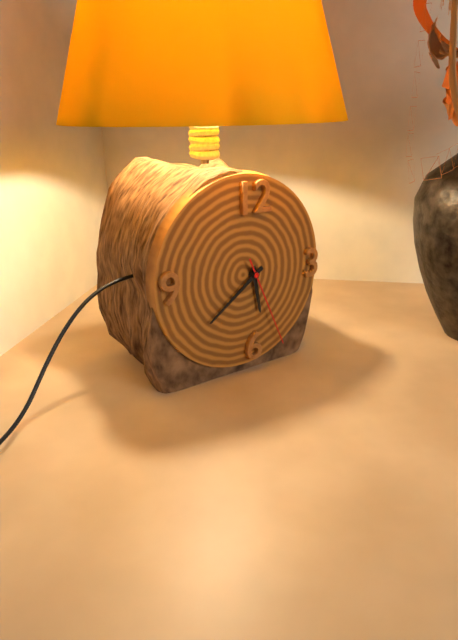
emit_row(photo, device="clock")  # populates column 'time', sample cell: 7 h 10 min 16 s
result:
5 h 39 min 26 s
